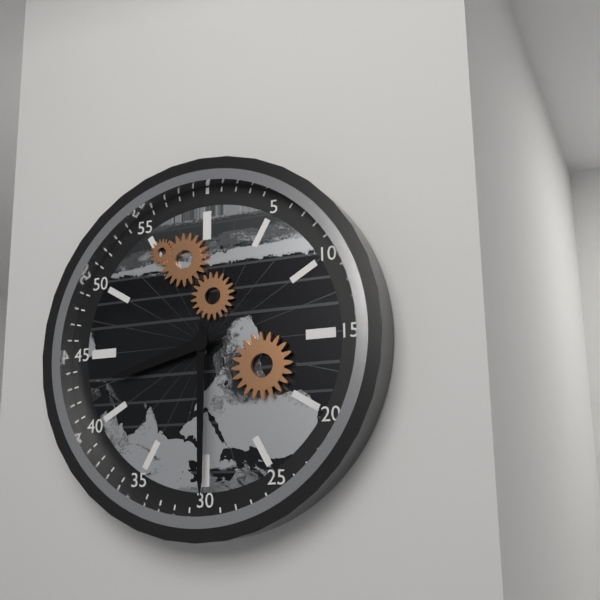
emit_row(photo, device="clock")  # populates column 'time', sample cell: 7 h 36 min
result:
8 h 30 min
